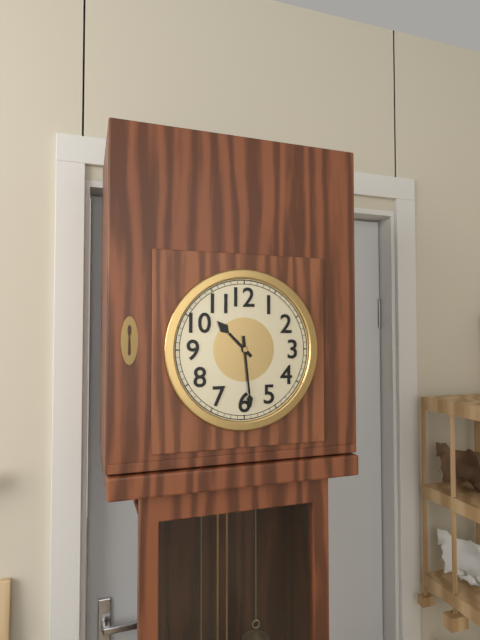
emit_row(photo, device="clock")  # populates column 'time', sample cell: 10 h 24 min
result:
10 h 29 min
